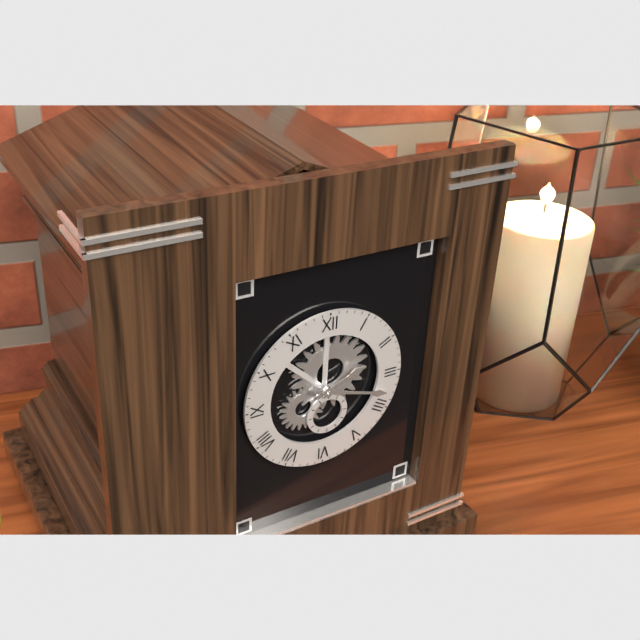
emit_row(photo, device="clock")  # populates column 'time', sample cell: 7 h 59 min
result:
2 h 18 min
